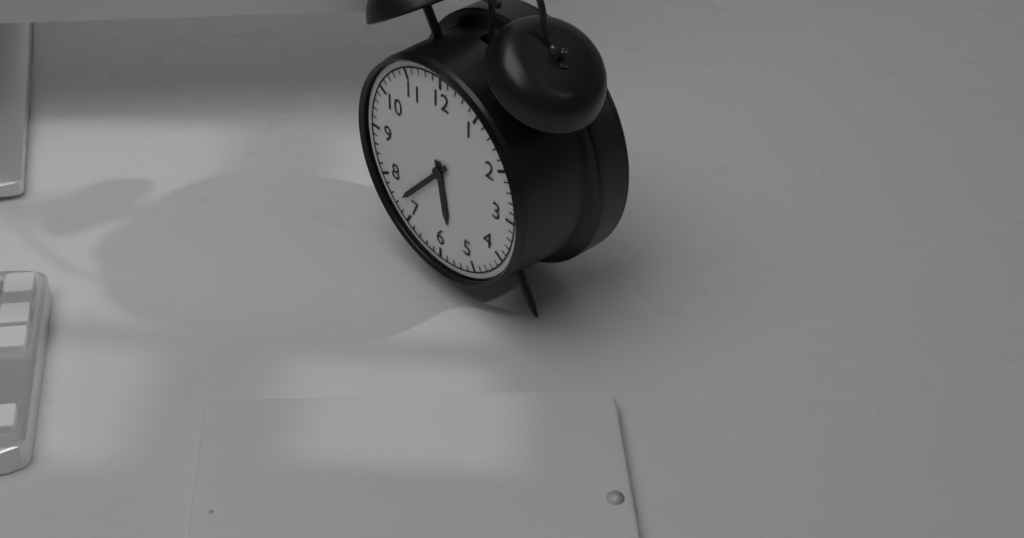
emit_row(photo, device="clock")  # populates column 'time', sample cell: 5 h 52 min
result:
5 h 37 min
